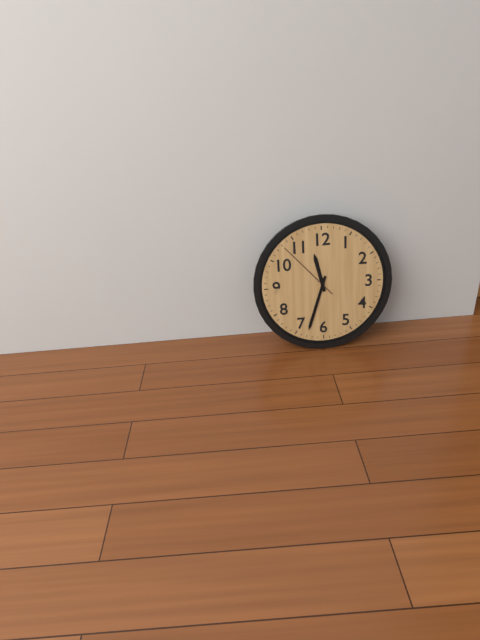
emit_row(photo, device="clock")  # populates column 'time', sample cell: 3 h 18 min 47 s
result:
11 h 33 min 53 s
